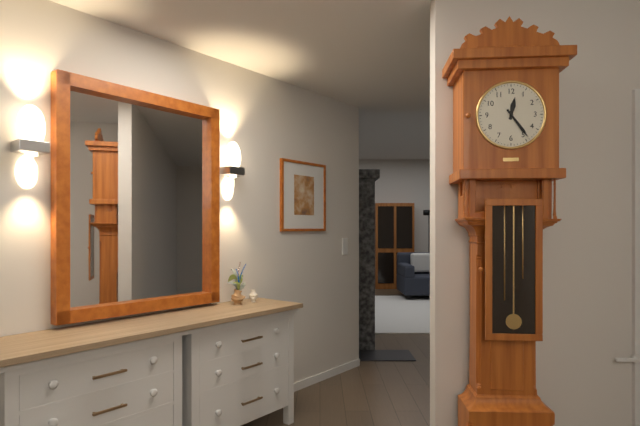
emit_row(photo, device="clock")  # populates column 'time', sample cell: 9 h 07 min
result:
12 h 24 min
